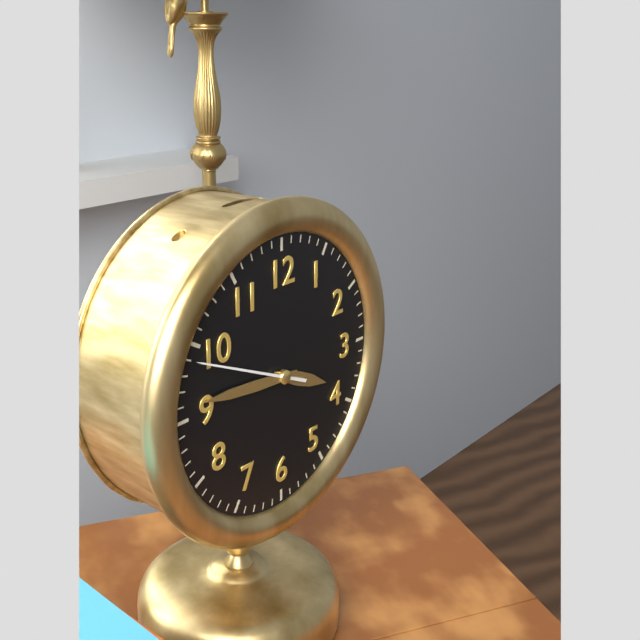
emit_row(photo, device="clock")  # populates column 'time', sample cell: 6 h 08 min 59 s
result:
3 h 46 min 49 s
